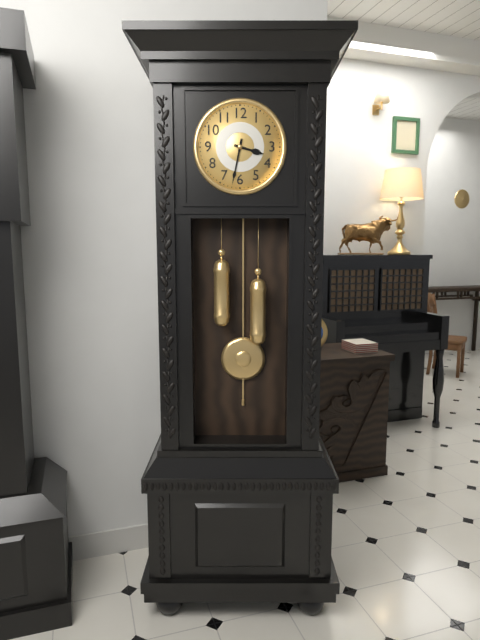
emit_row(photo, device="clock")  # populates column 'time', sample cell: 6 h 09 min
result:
3 h 32 min
